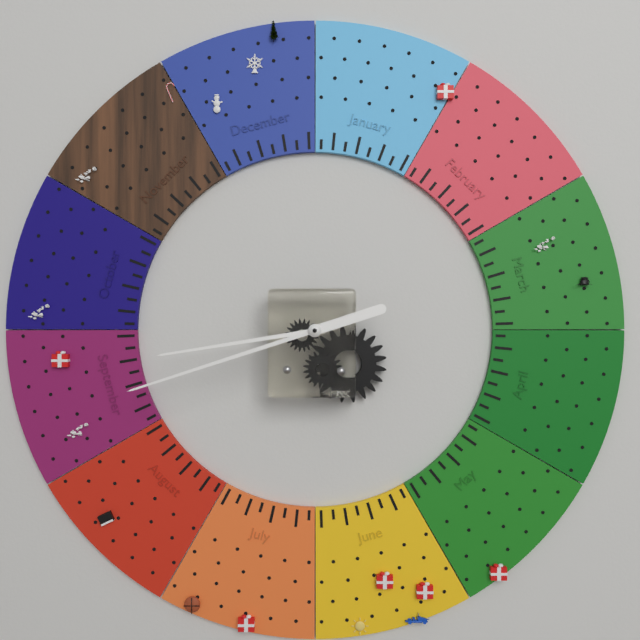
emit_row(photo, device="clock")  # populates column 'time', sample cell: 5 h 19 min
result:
8 h 42 min
